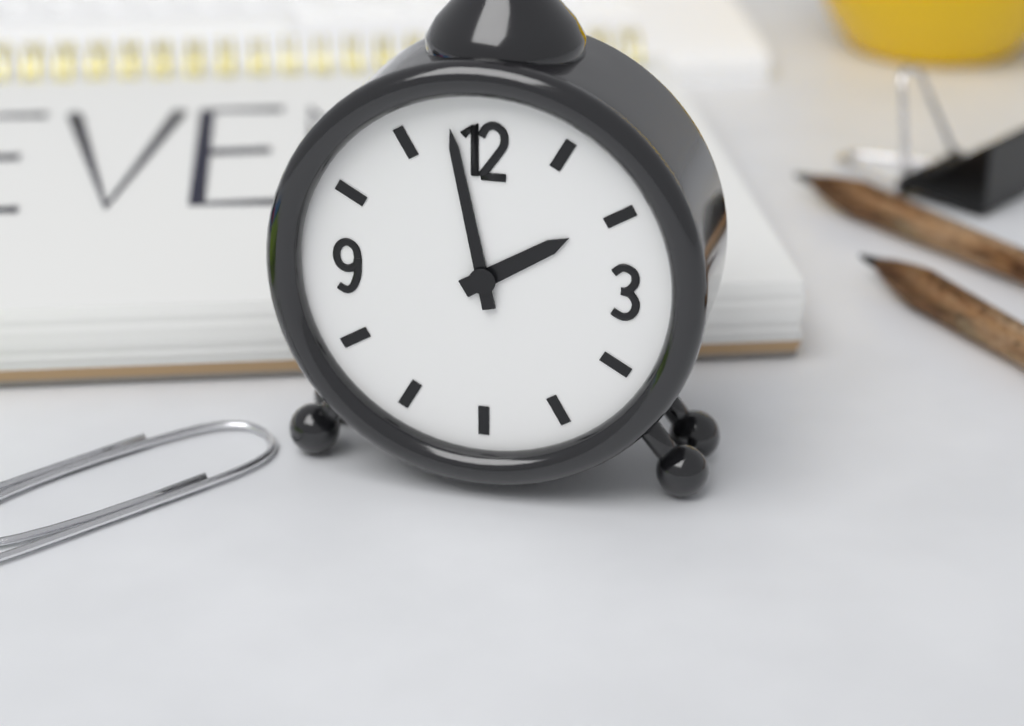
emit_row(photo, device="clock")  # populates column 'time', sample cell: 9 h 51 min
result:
1 h 58 min
